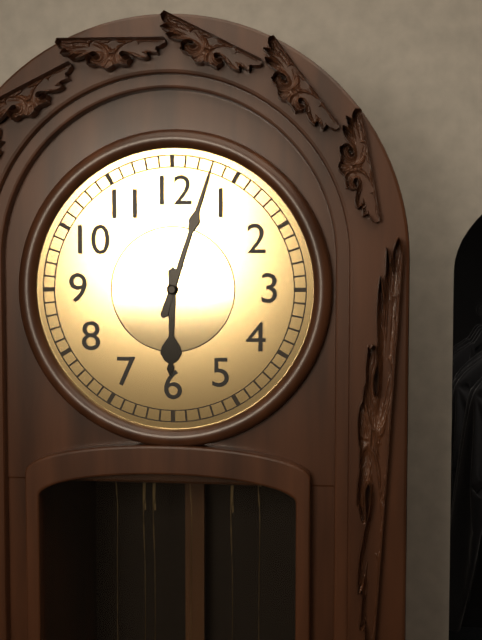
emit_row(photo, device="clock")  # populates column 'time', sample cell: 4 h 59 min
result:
6 h 03 min
